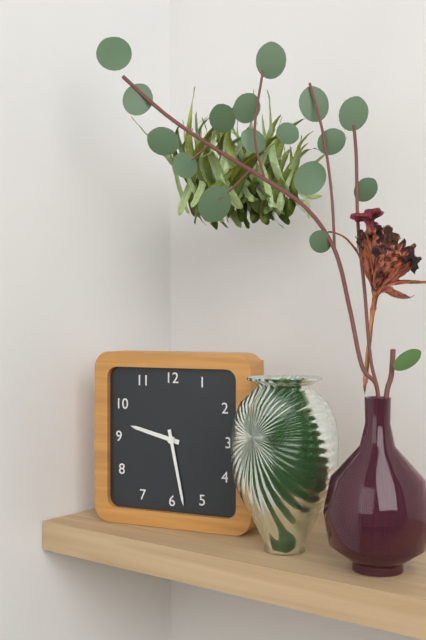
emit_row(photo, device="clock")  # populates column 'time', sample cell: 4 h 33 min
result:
9 h 28 min
